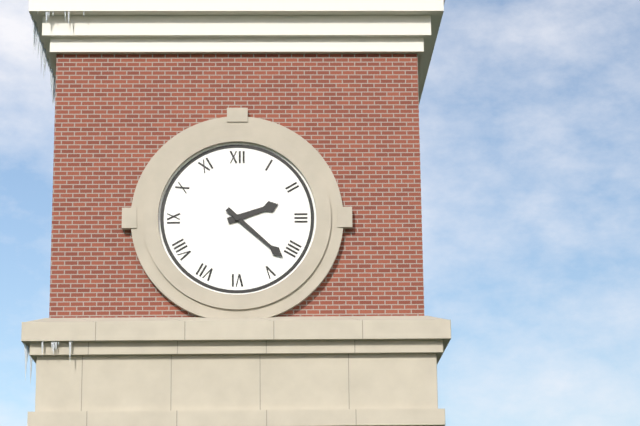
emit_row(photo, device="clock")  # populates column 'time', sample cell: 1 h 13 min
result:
2 h 22 min
